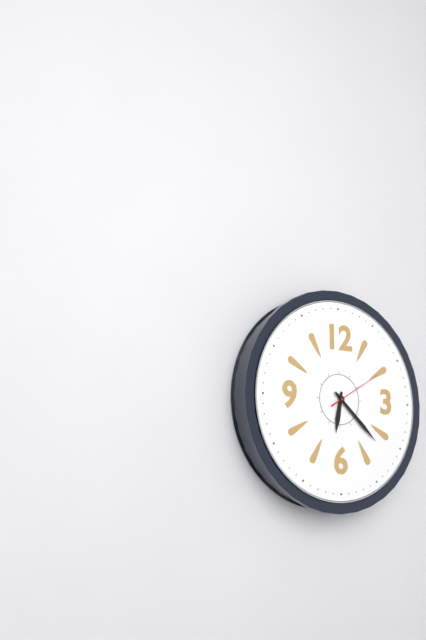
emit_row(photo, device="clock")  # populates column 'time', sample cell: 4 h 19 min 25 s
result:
6 h 22 min 10 s
